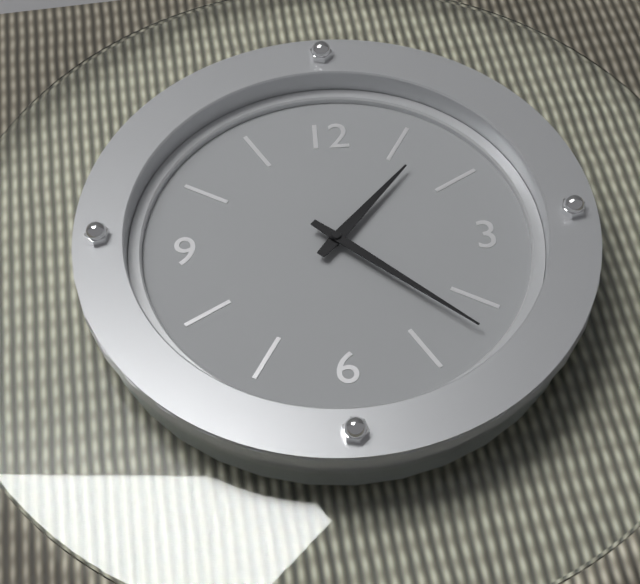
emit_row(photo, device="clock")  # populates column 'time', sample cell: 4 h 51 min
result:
1 h 22 min
